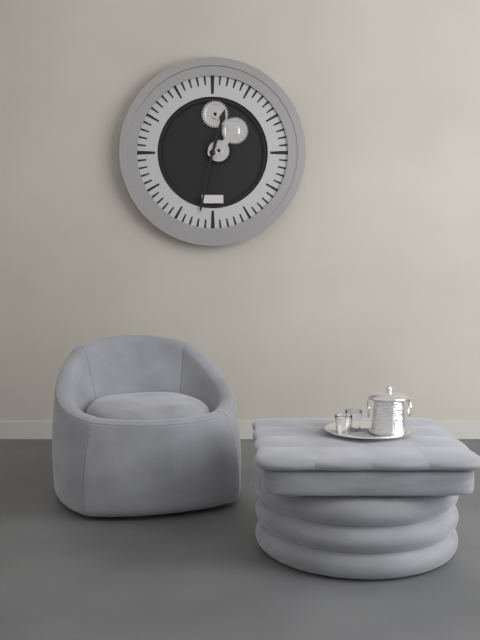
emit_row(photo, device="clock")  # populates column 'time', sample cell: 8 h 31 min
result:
12 h 32 min
